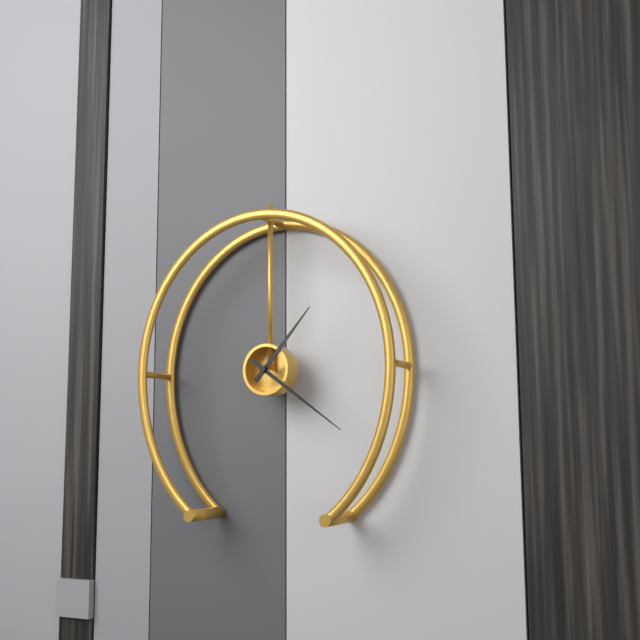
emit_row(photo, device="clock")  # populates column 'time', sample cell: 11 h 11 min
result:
1 h 21 min
